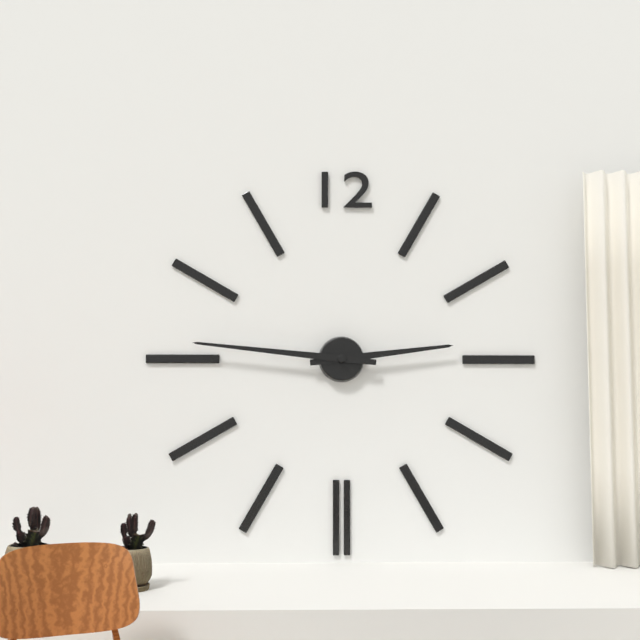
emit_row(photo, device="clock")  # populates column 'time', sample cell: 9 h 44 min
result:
2 h 46 min
